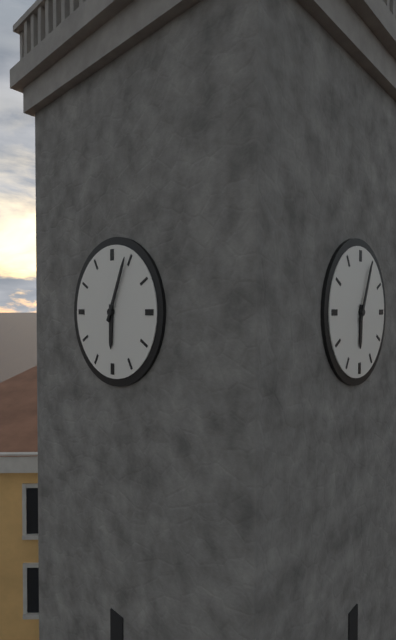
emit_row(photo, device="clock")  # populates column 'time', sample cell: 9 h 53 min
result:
6 h 04 min
